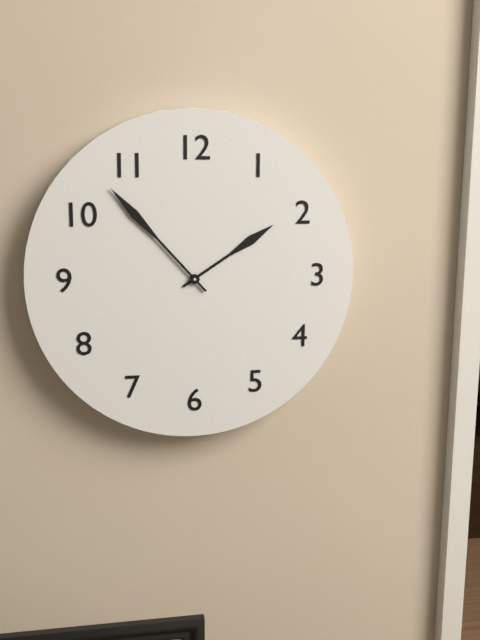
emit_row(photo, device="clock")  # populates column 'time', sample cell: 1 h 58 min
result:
1 h 53 min
